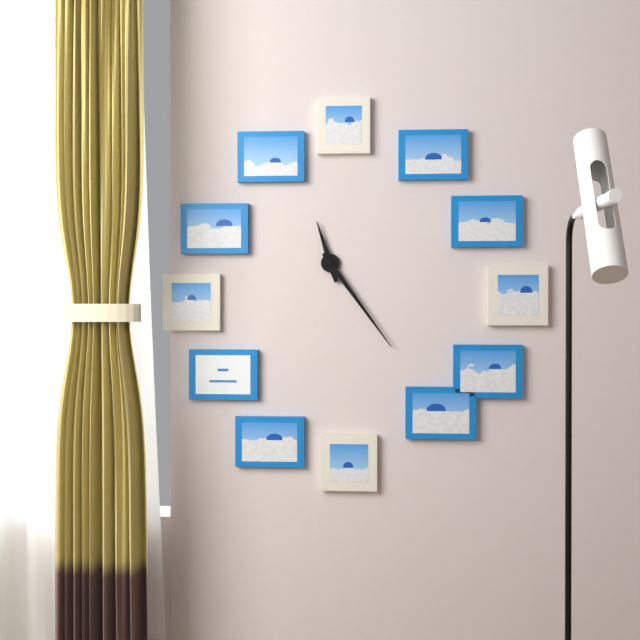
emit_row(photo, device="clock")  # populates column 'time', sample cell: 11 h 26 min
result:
11 h 24 min
